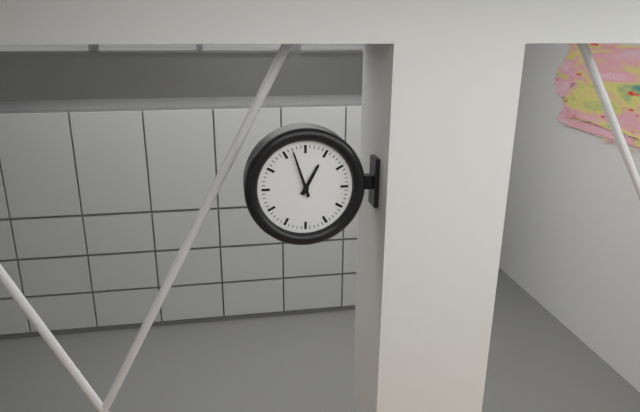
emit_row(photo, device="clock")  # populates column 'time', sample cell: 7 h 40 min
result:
12 h 57 min
